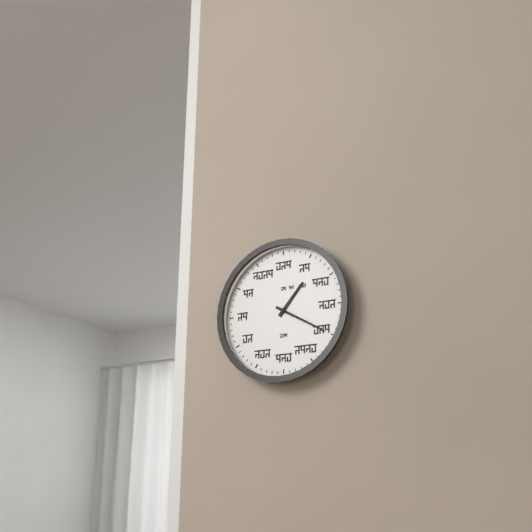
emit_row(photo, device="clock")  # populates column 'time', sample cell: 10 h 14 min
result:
1 h 20 min
